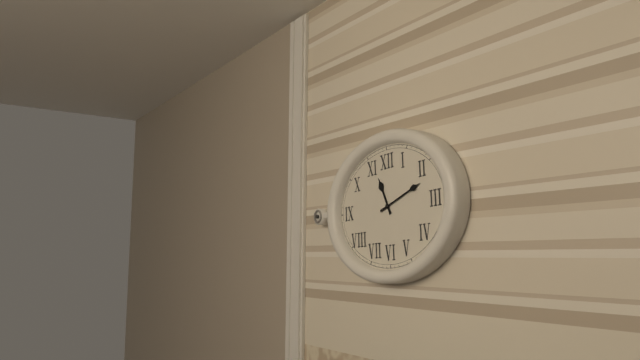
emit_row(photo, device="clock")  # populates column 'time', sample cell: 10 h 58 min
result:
11 h 12 min
